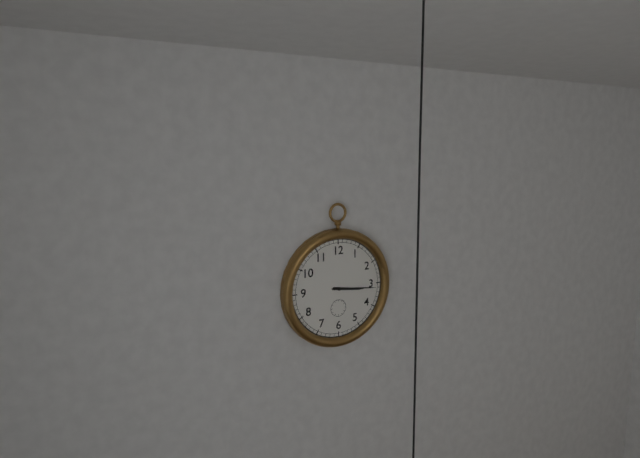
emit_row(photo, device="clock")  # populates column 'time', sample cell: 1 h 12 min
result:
3 h 16 min
